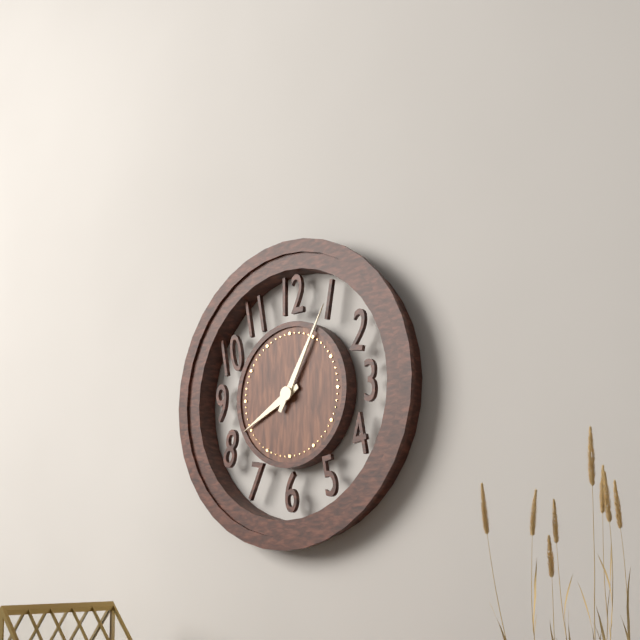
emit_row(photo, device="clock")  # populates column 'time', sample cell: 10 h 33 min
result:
8 h 05 min
